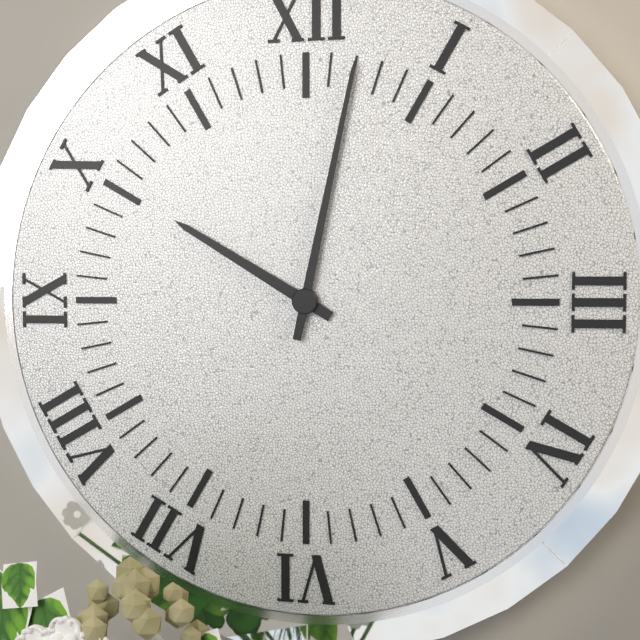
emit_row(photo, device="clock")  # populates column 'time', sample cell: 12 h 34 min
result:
10 h 02 min
